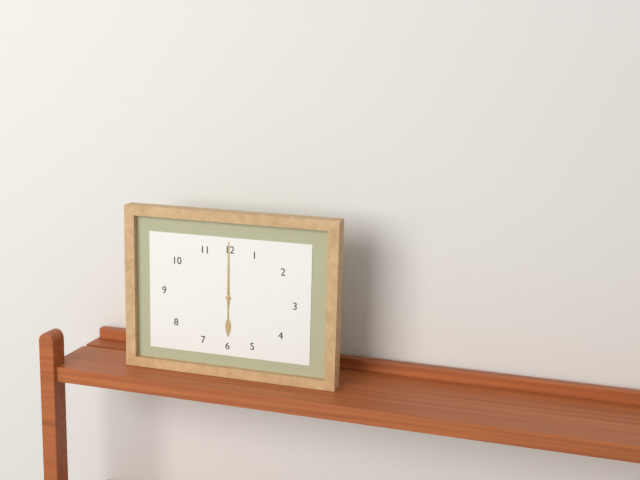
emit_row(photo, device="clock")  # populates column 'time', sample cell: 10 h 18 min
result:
6 h 00 min
